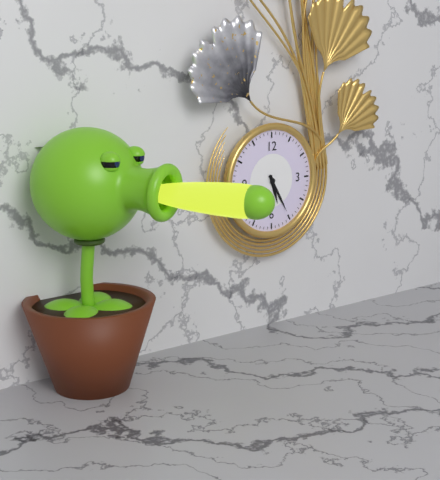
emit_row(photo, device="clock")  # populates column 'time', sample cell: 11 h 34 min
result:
5 h 25 min
